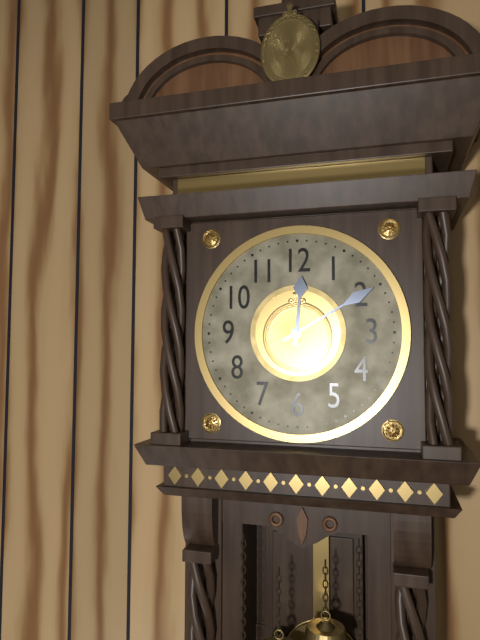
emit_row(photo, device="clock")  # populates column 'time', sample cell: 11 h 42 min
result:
12 h 10 min
